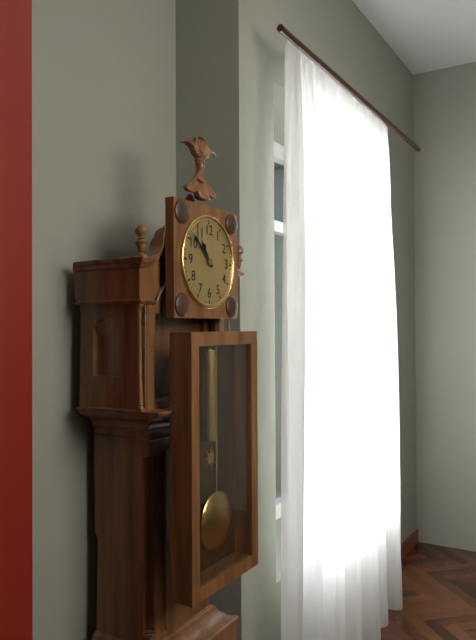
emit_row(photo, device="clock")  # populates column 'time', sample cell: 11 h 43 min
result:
10 h 52 min
